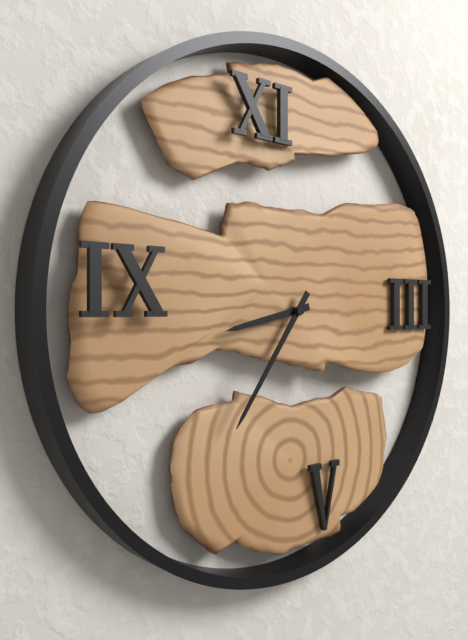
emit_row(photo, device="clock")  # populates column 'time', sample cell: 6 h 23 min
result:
8 h 36 min
